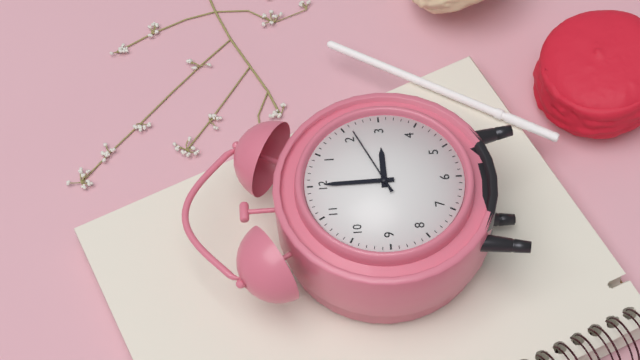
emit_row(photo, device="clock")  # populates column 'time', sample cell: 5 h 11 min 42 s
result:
3 h 00 min 11 s
